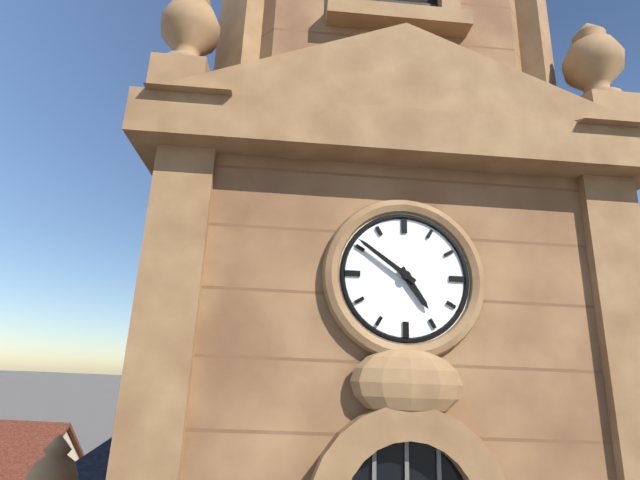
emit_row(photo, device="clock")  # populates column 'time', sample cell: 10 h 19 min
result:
4 h 51 min
